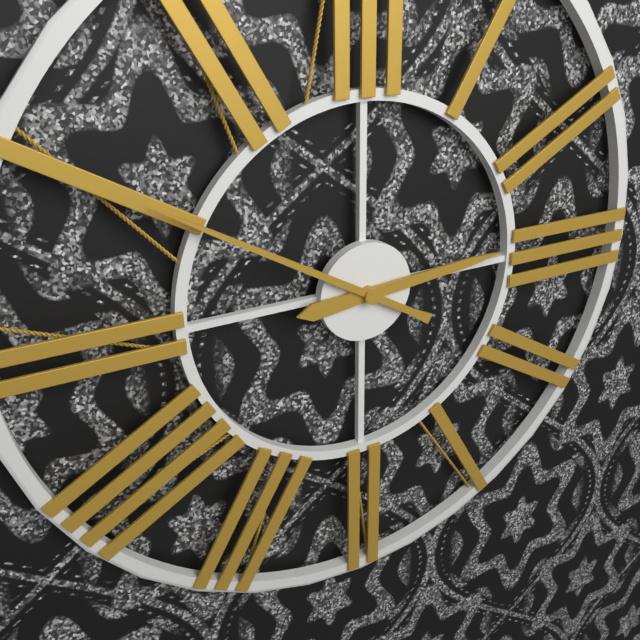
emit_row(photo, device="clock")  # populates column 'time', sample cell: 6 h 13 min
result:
2 h 50 min
